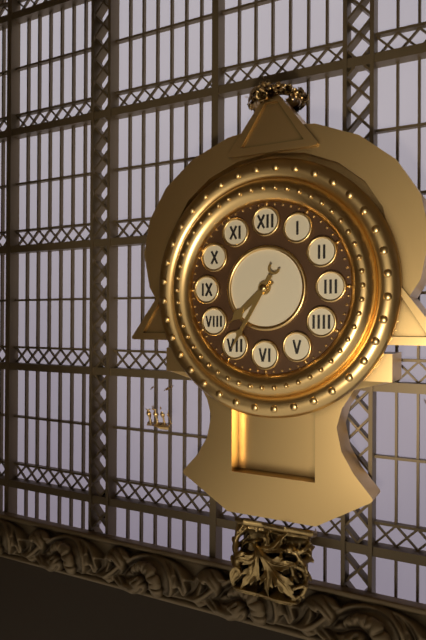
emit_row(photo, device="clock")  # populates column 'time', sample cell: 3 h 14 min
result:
7 h 35 min
